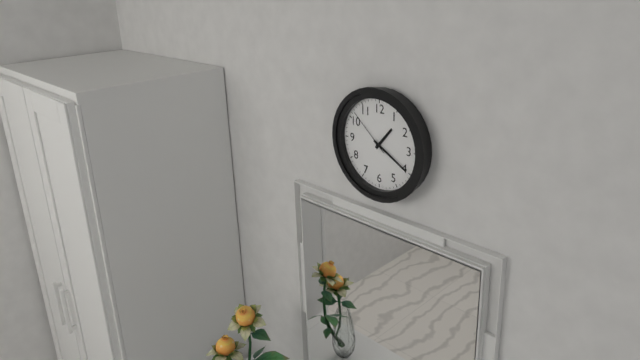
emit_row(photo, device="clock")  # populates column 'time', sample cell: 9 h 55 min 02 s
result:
1 h 20 min 52 s
